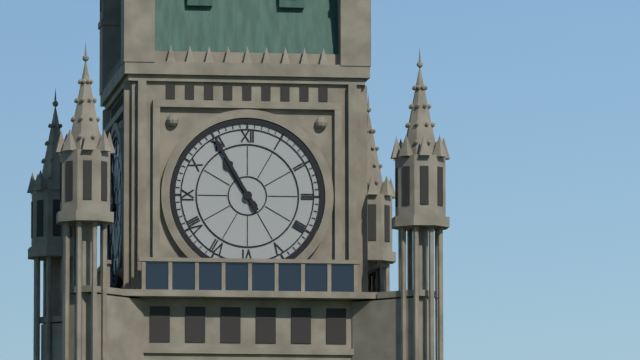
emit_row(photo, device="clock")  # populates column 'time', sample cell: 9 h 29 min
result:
10 h 55 min
